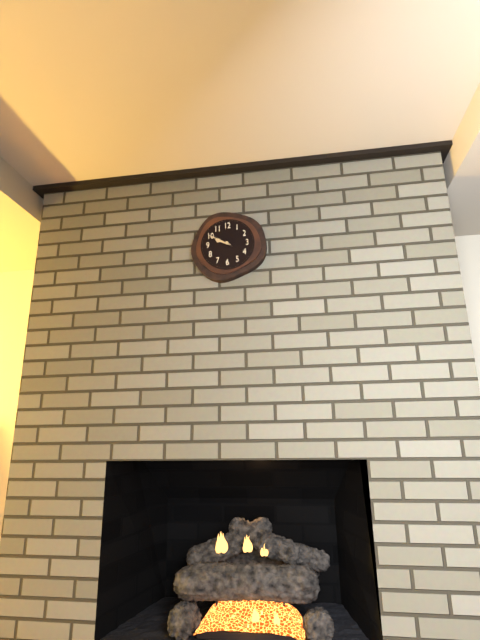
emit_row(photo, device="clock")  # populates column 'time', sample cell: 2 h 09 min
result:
9 h 50 min
